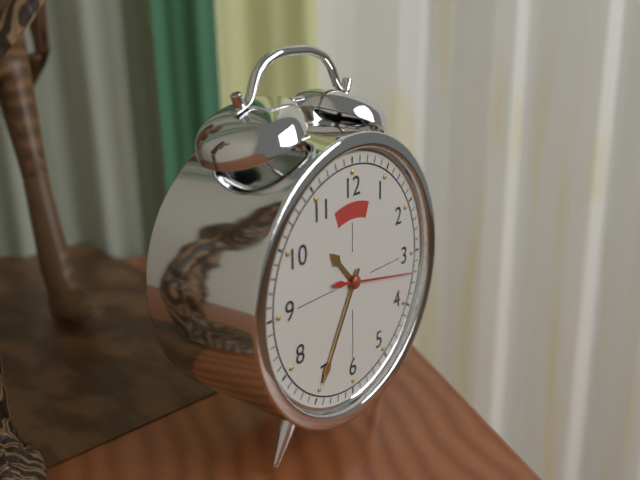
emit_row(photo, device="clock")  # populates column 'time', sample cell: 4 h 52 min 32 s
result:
10 h 35 min 17 s
